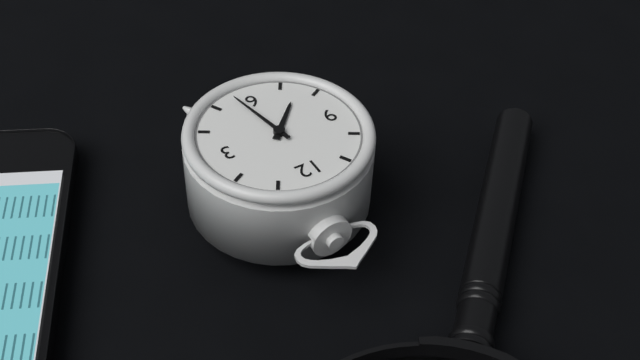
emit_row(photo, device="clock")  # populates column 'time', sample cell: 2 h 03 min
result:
7 h 28 min
